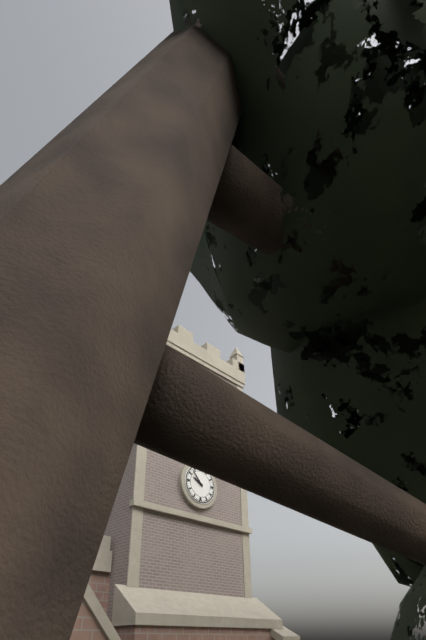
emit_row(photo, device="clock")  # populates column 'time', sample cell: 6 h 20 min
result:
9 h 53 min
